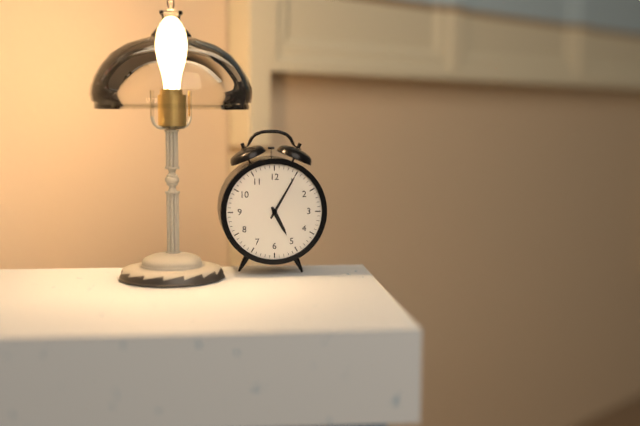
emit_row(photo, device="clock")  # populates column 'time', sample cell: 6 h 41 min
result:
5 h 05 min
